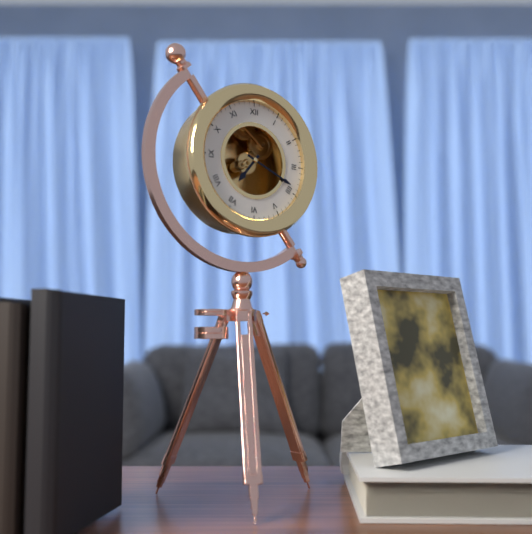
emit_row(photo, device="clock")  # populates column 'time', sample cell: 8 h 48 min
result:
7 h 19 min
